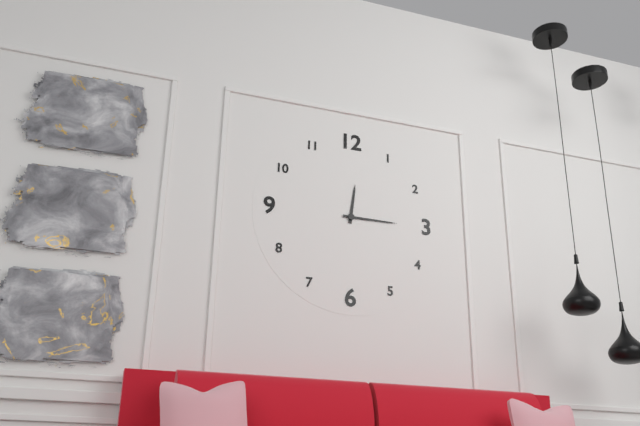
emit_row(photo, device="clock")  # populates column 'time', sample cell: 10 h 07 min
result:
12 h 15 min
